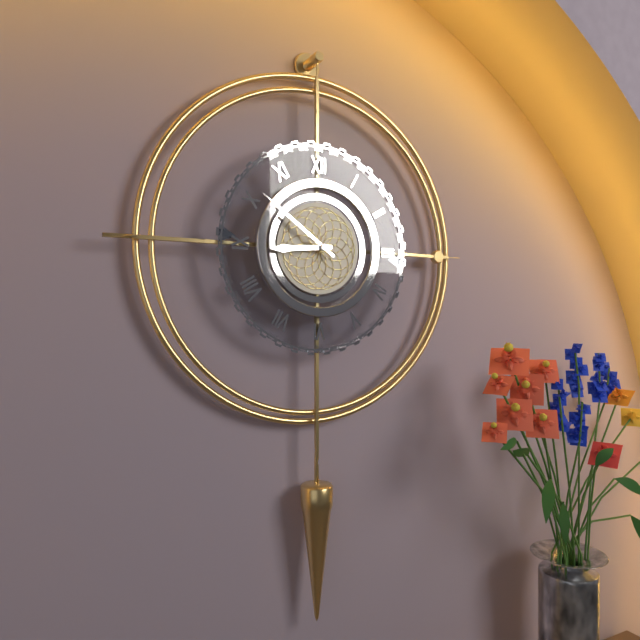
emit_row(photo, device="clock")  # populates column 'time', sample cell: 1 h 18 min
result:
8 h 51 min
